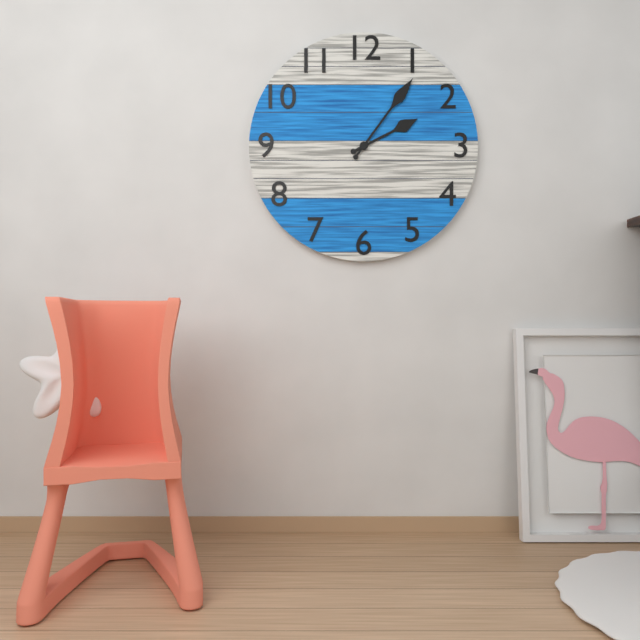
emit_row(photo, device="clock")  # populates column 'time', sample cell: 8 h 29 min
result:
2 h 06 min
